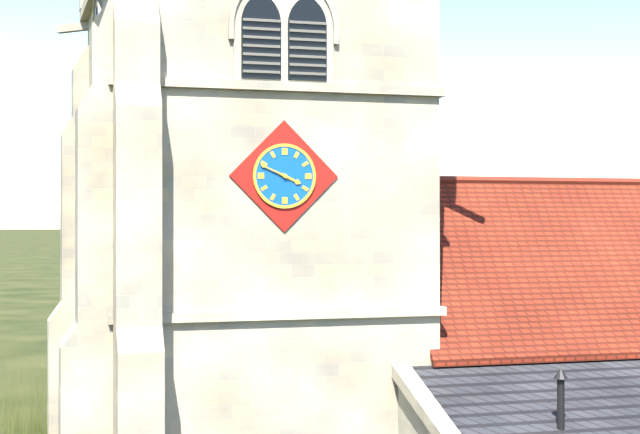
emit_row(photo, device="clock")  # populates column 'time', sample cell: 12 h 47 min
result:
3 h 49 min
